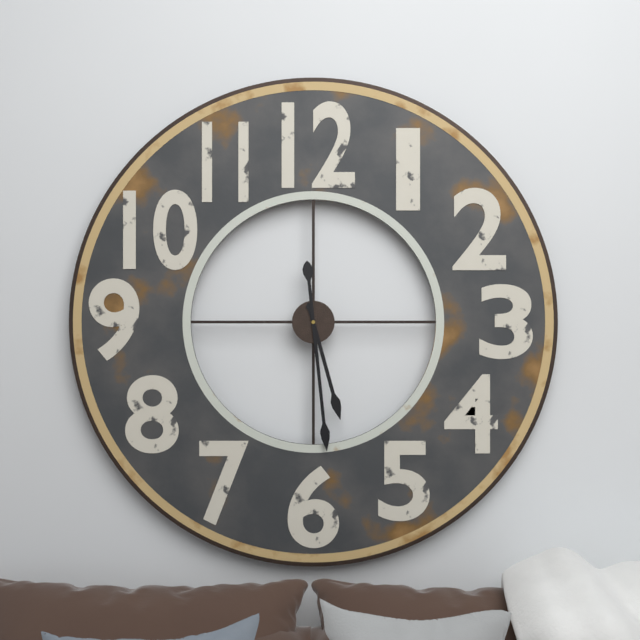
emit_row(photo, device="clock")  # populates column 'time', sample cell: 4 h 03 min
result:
5 h 29 min
